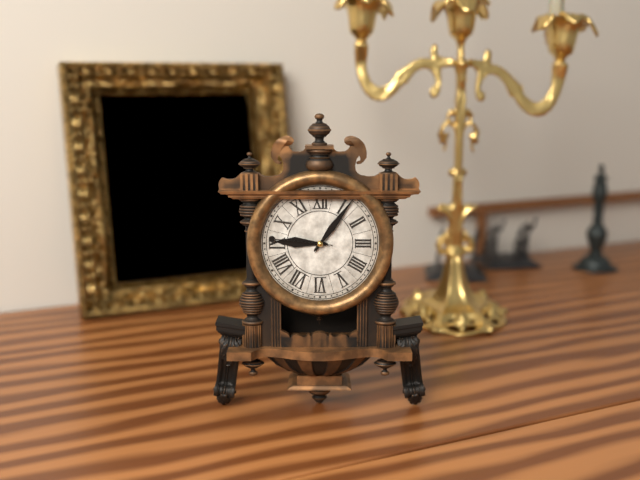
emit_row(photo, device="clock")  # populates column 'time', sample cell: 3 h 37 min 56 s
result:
9 h 06 min 46 s
